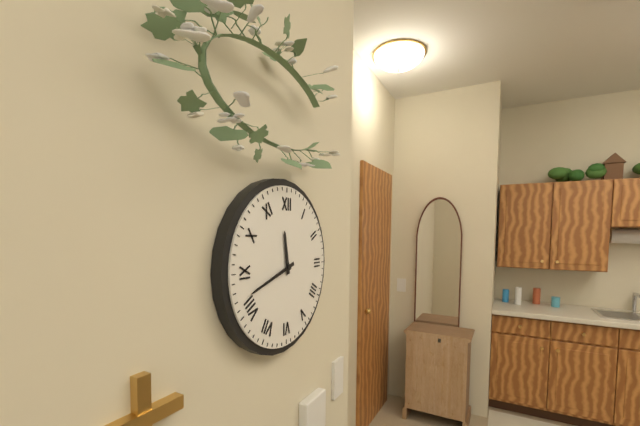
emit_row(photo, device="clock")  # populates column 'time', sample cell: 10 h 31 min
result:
11 h 42 min
